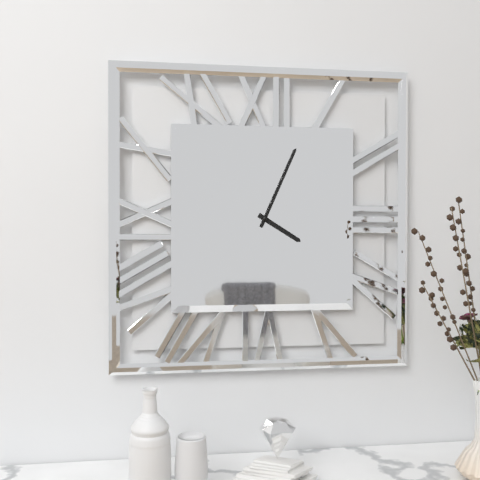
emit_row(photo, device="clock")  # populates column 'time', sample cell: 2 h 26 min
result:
4 h 04 min
